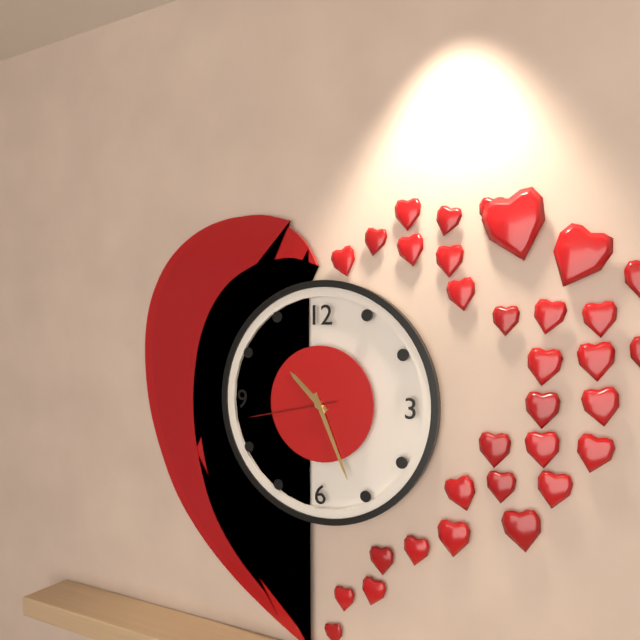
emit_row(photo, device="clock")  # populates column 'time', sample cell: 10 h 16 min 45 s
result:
10 h 26 min 43 s
